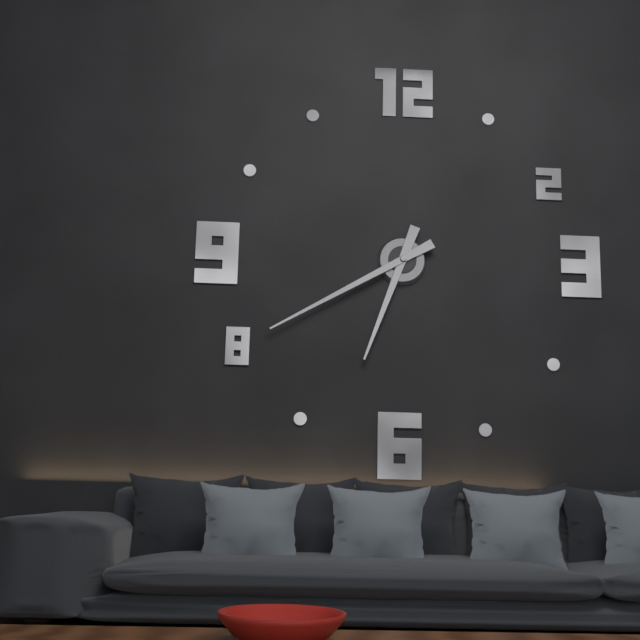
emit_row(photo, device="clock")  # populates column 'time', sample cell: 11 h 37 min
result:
6 h 40 min
